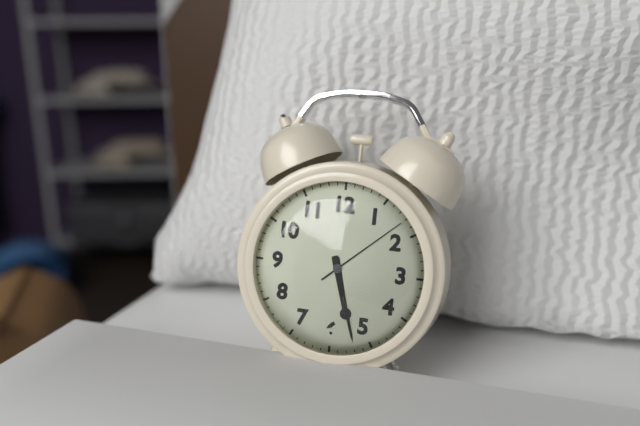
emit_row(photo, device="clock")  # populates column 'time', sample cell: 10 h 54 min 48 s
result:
5 h 27 min 08 s
